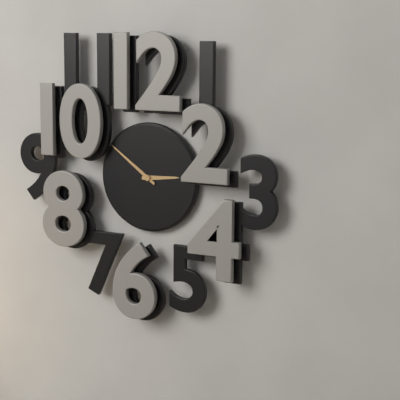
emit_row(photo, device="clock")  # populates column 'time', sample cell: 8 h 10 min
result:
2 h 51 min
